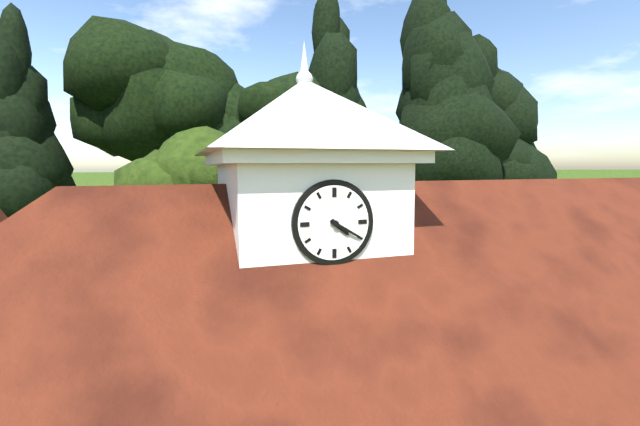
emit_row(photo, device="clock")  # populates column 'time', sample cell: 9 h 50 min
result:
4 h 20 min
